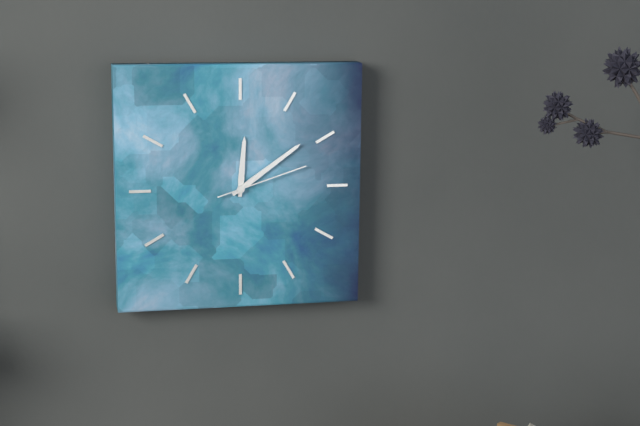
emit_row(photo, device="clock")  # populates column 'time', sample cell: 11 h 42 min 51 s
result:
12 h 09 min 12 s
